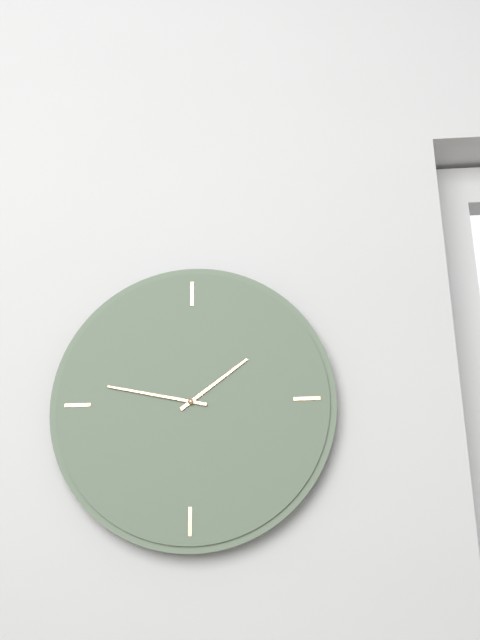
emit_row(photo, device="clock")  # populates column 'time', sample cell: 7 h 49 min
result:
1 h 47 min
